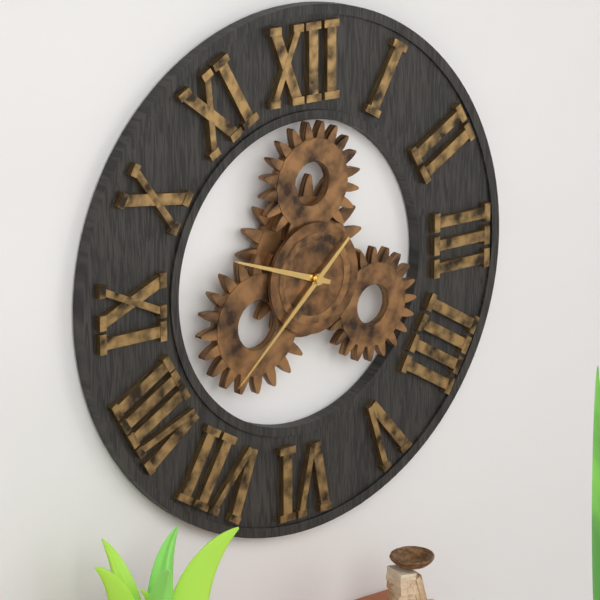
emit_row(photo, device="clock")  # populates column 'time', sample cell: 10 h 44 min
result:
9 h 38 min
